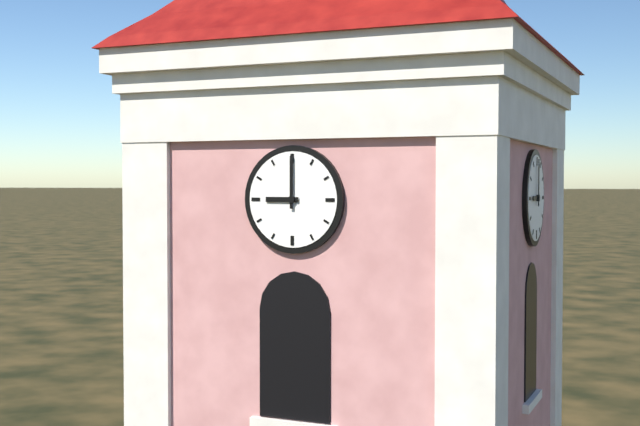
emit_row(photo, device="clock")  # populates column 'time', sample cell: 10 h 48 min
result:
9 h 00 min
